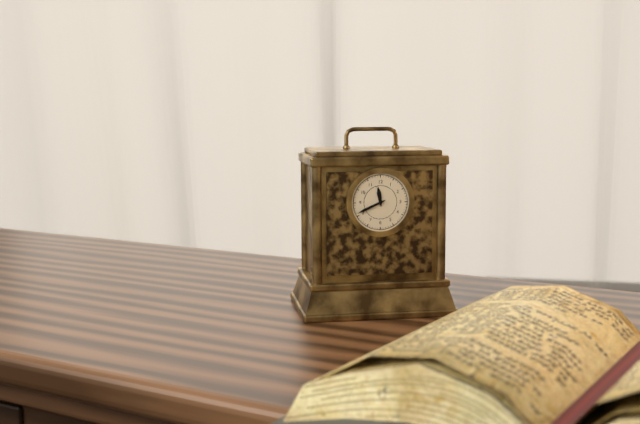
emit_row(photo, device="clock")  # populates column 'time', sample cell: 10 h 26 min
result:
11 h 41 min
